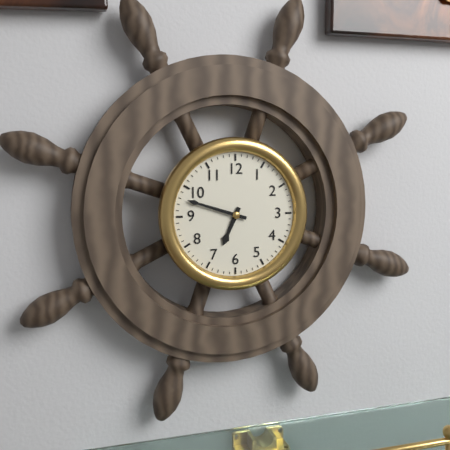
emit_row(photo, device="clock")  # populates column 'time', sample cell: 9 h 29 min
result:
6 h 48 min
